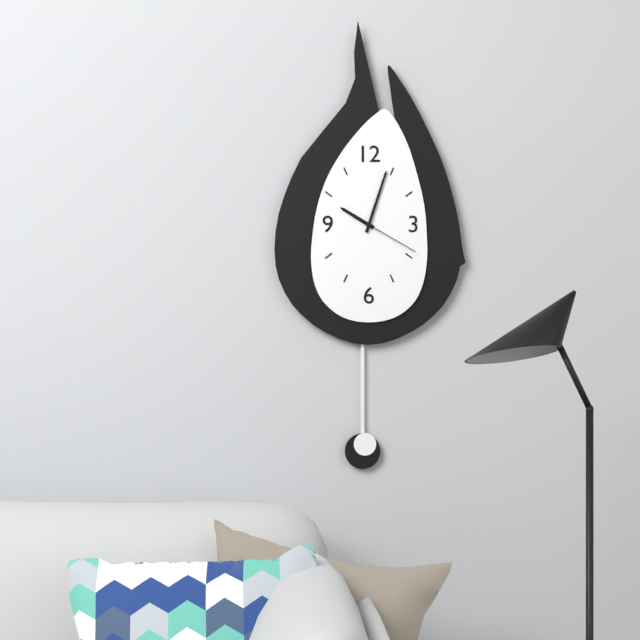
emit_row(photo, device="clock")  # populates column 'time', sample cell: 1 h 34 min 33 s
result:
10 h 03 min 20 s
